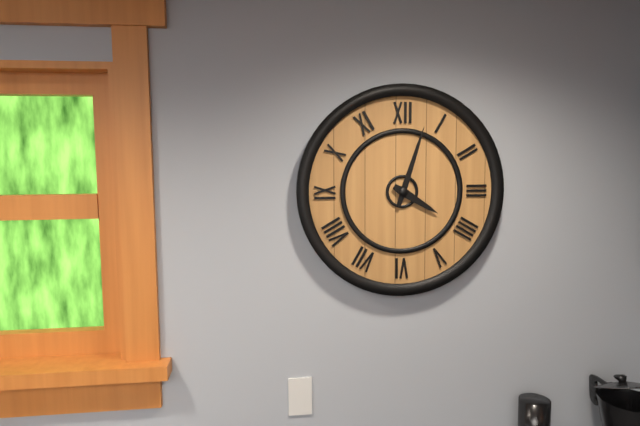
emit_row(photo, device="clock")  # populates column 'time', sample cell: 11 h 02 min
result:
4 h 03 min
